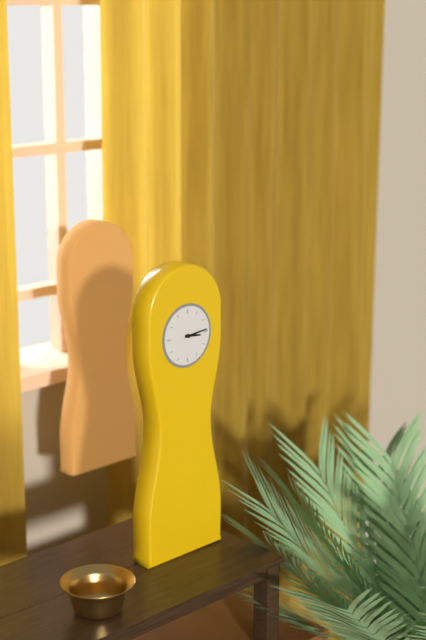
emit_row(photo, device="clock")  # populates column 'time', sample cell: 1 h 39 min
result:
3 h 14 min
